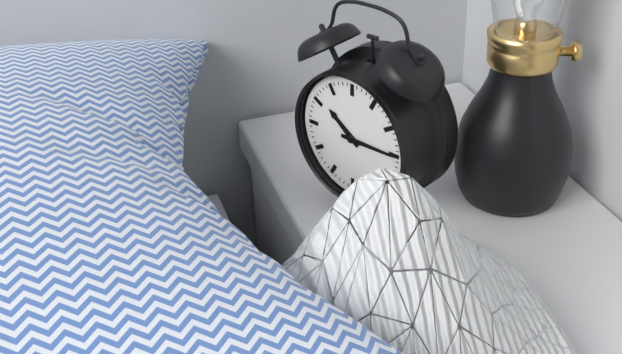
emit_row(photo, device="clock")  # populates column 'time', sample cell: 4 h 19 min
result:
10 h 15 min
